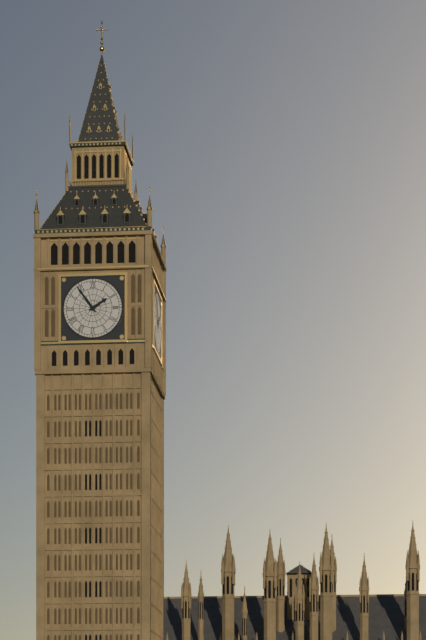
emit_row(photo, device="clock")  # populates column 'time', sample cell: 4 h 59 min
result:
1 h 54 min
